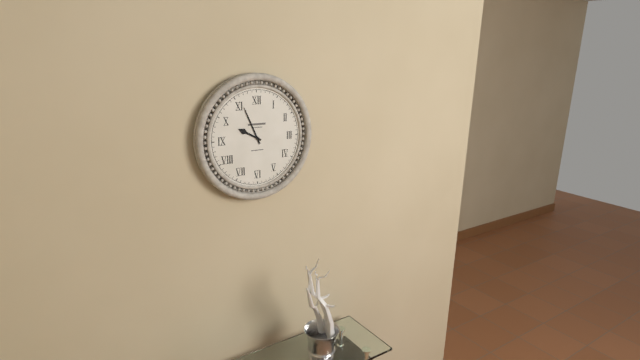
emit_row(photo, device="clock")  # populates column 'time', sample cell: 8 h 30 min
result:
9 h 56 min
